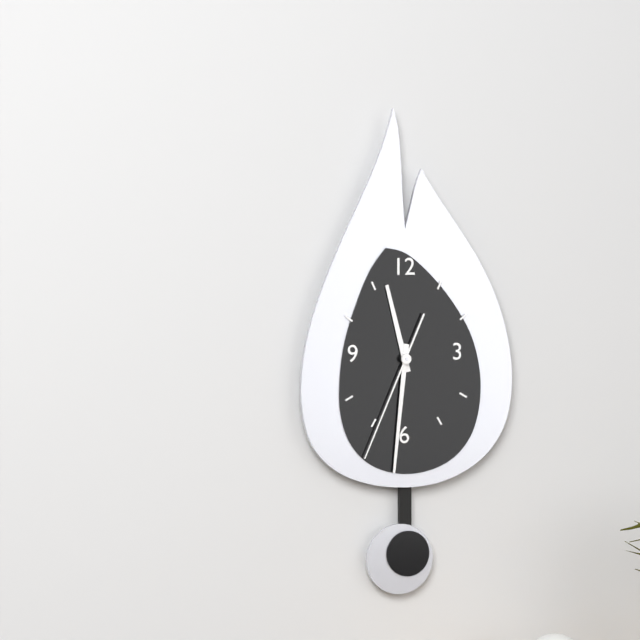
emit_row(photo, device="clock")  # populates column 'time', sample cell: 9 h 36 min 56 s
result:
11 h 31 min 34 s
